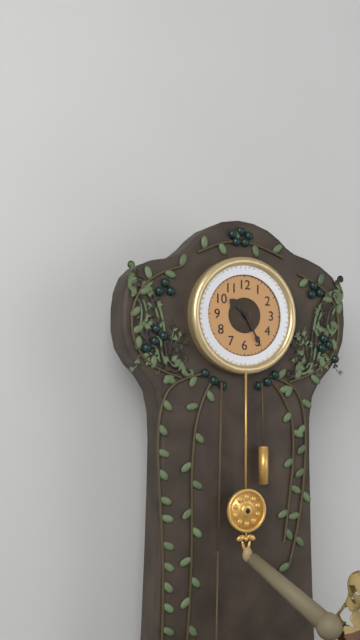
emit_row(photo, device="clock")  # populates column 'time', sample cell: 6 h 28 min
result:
10 h 25 min
